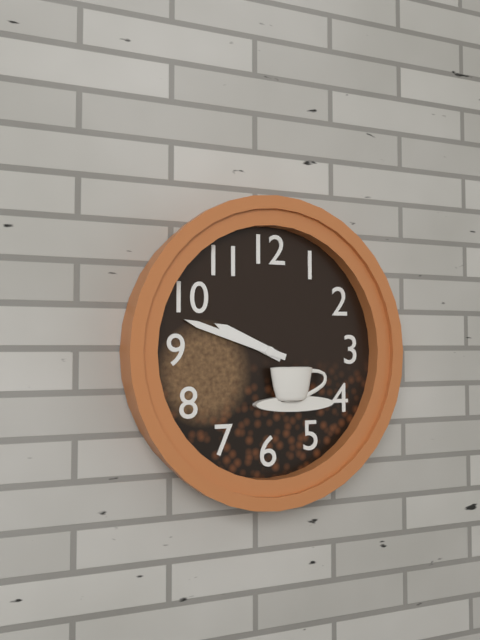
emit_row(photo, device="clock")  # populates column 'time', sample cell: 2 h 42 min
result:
9 h 48 min
